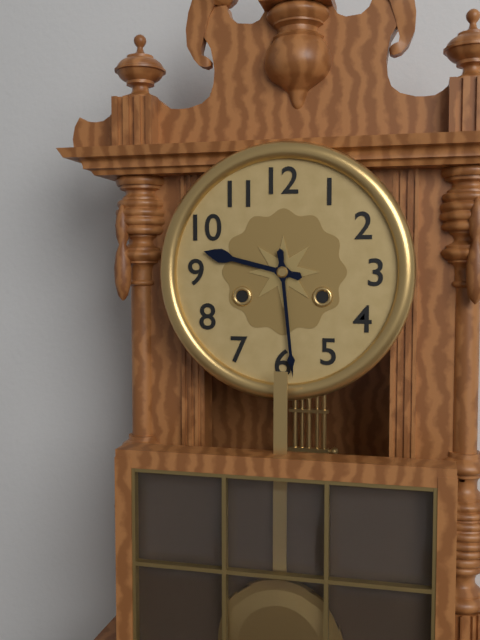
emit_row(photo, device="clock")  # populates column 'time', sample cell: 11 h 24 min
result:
9 h 29 min
